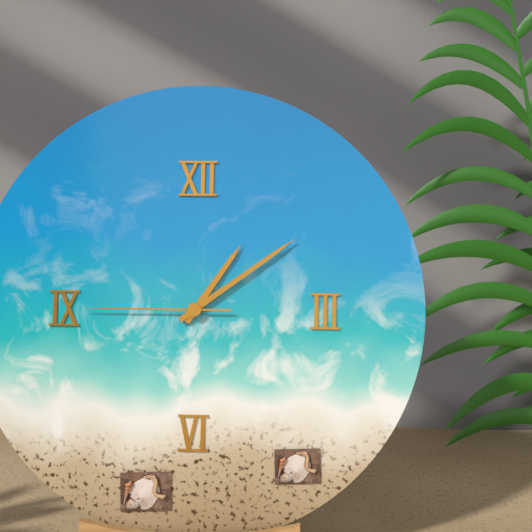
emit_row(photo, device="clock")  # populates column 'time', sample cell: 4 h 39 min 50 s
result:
1 h 09 min 45 s
